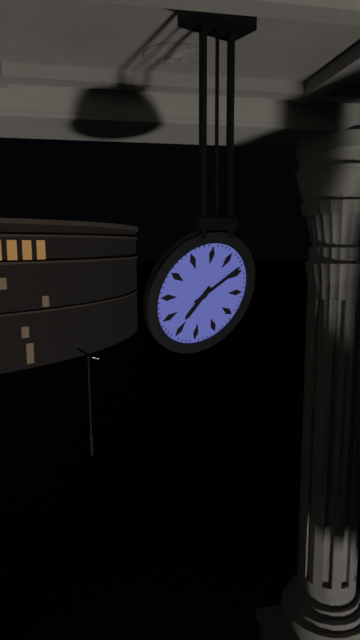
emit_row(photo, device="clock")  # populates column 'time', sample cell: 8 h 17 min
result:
7 h 09 min
